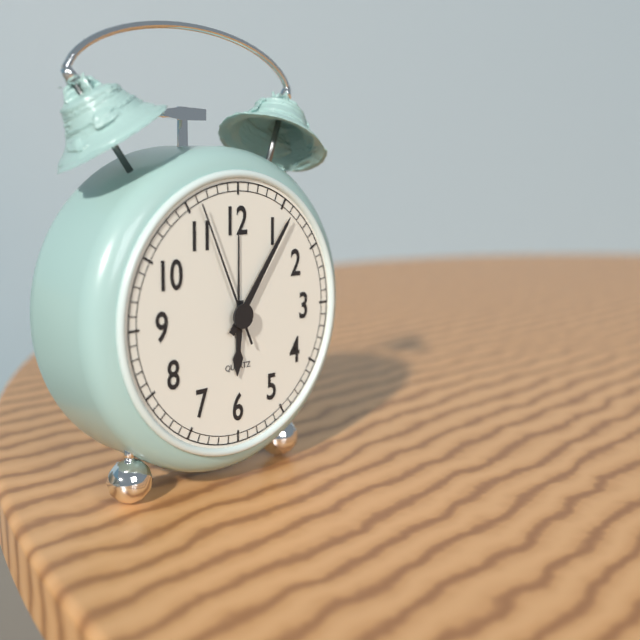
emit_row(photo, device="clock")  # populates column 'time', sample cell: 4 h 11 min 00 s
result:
6 h 06 min 56 s
